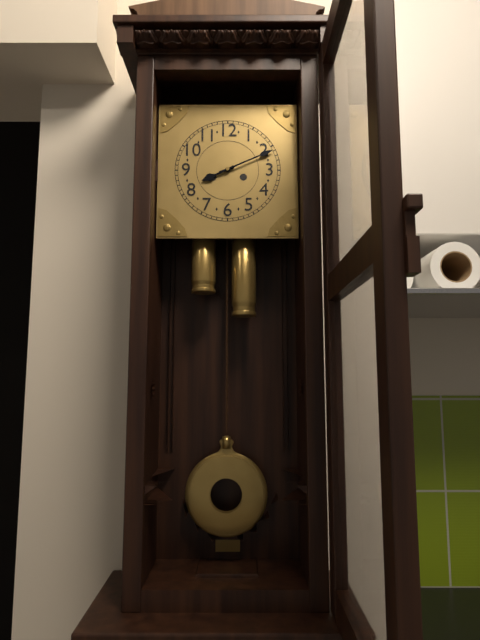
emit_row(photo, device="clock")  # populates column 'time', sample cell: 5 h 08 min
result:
8 h 11 min
